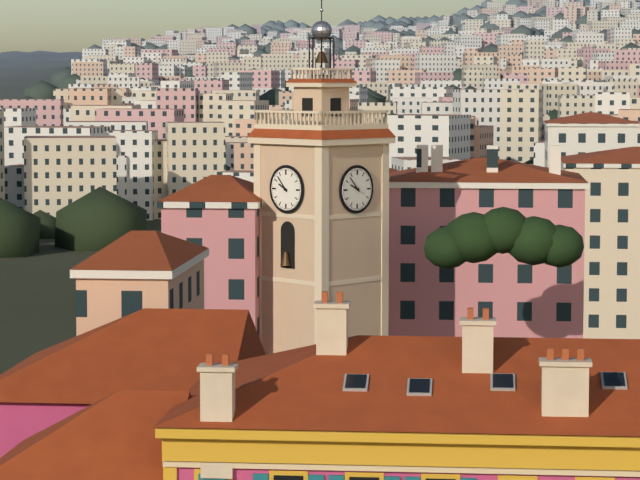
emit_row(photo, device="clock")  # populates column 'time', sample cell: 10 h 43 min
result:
9 h 53 min
